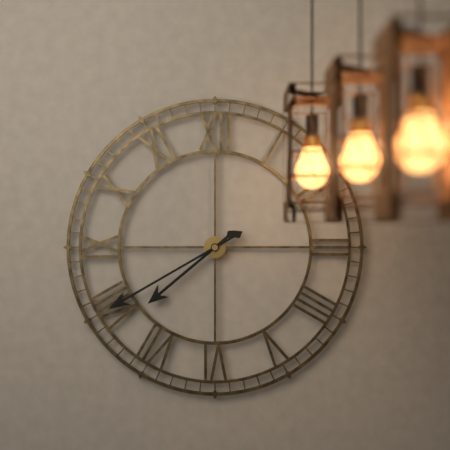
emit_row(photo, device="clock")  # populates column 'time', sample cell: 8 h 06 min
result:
7 h 40 min
